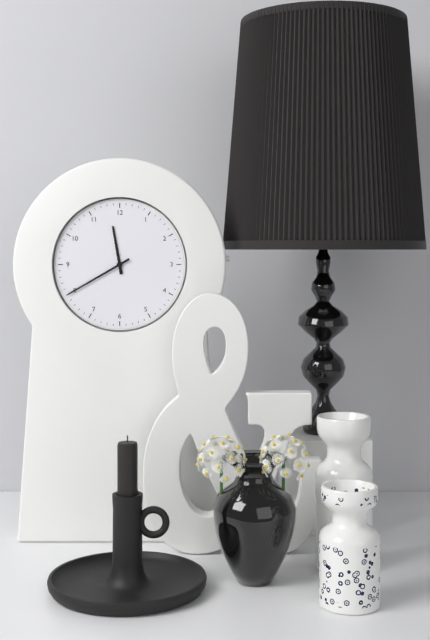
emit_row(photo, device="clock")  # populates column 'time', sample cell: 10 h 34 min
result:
11 h 40 min
